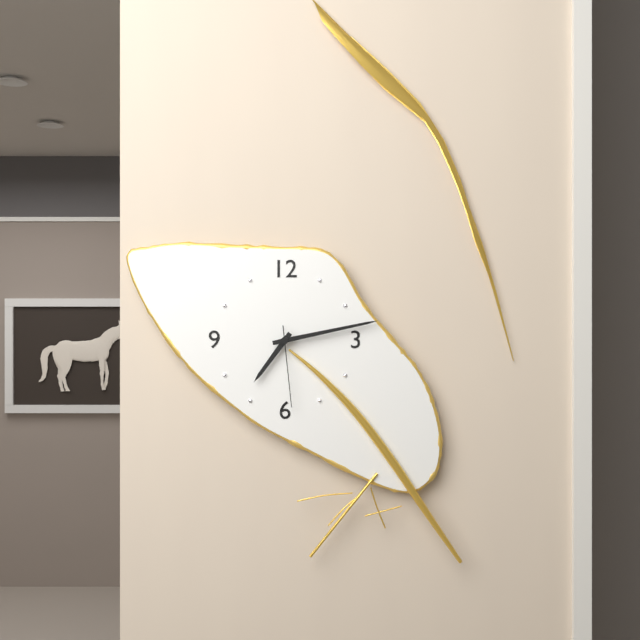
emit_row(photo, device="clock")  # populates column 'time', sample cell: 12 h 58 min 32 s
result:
7 h 13 min 29 s
